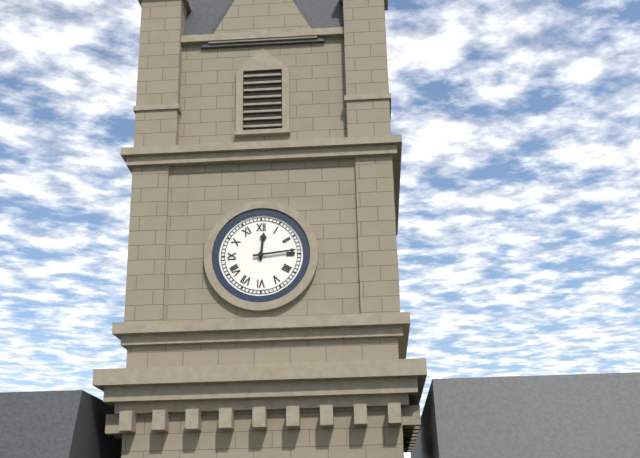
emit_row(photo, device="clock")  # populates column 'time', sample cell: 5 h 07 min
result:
12 h 14 min
